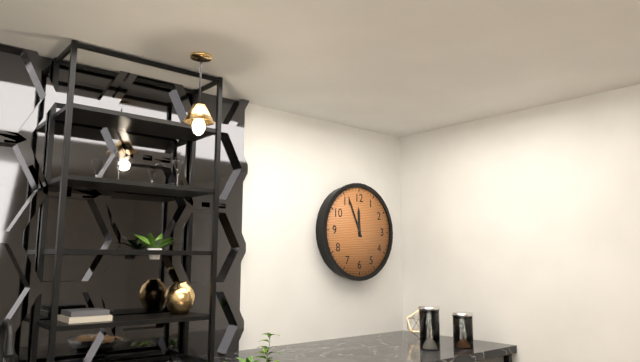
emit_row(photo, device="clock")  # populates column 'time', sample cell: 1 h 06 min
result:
11 h 56 min
